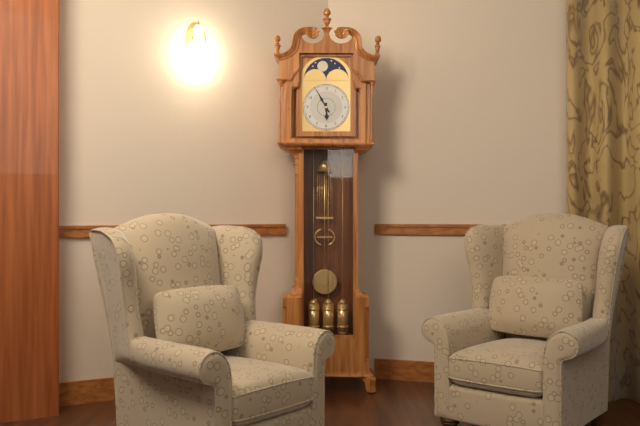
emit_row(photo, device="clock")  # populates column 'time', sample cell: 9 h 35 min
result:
5 h 55 min
